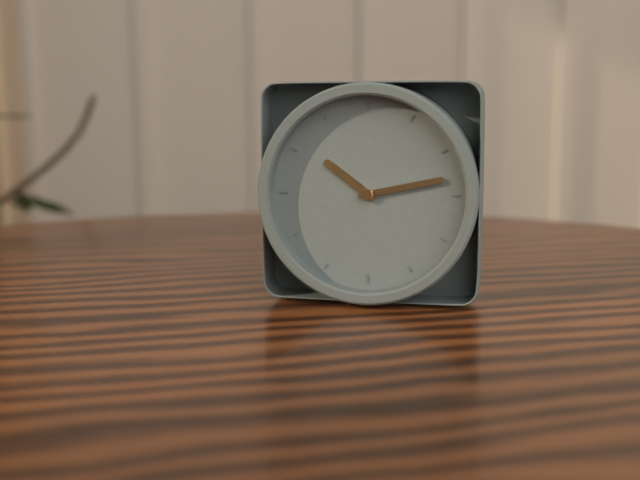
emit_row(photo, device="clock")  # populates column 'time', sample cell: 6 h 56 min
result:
10 h 13 min
